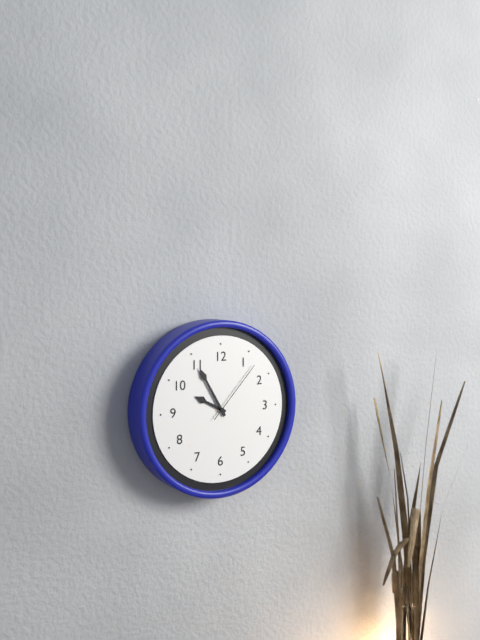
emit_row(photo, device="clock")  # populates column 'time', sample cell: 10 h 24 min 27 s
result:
9 h 55 min 07 s
